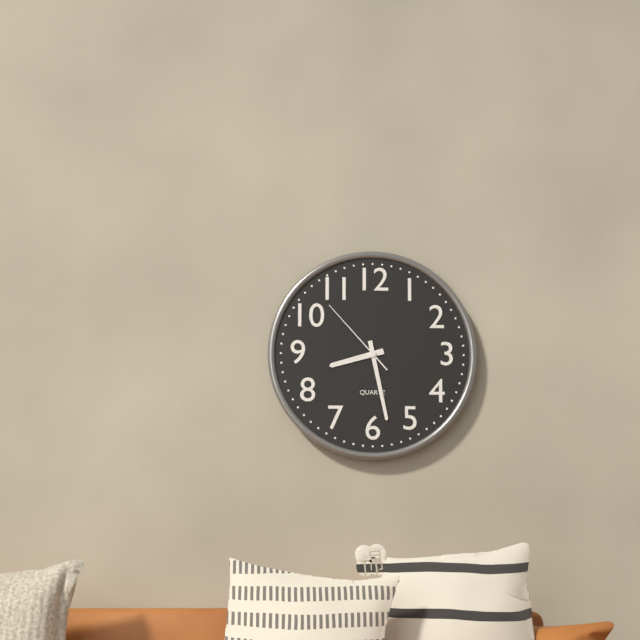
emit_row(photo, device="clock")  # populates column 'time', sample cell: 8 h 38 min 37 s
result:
8 h 28 min 53 s
